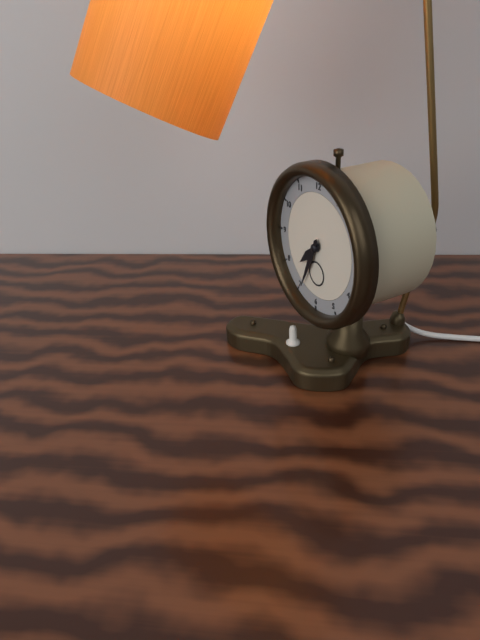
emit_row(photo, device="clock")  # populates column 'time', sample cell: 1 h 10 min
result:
7 h 34 min
